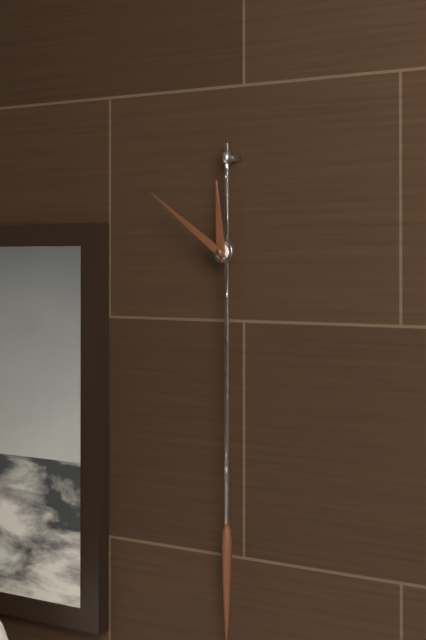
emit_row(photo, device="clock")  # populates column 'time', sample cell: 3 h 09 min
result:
11 h 51 min
